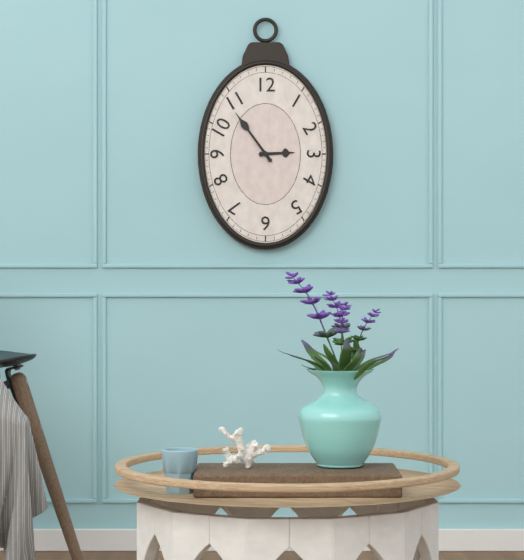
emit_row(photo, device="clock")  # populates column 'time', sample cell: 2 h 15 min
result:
2 h 54 min
